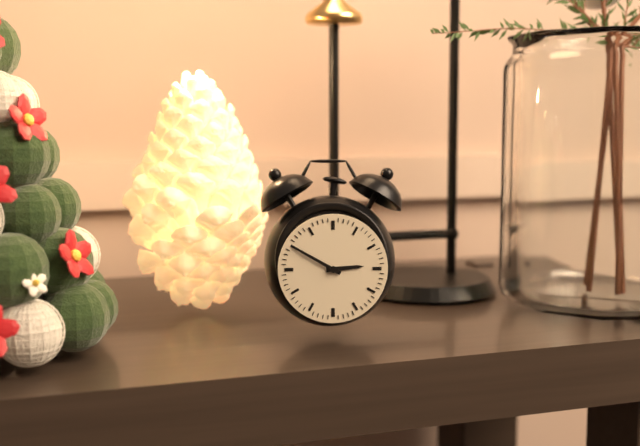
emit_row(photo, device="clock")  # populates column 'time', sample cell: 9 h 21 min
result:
2 h 50 min
